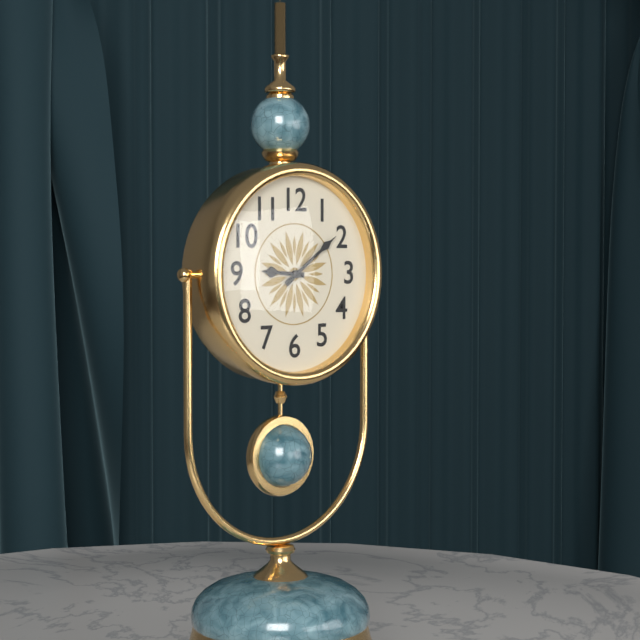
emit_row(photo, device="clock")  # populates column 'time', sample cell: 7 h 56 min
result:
9 h 09 min
